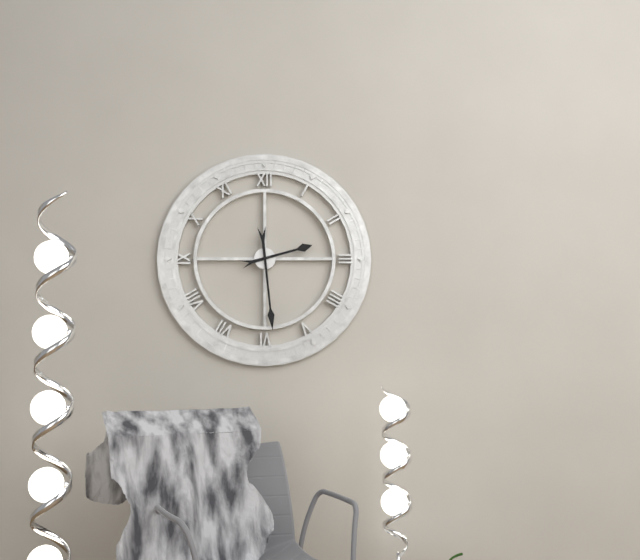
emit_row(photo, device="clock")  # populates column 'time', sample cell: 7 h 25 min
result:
2 h 29 min
